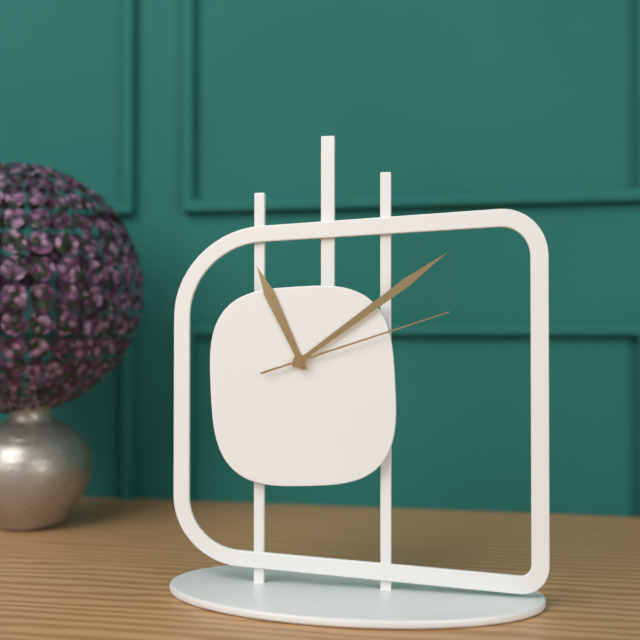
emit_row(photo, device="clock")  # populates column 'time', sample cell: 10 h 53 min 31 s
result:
11 h 09 min 12 s
